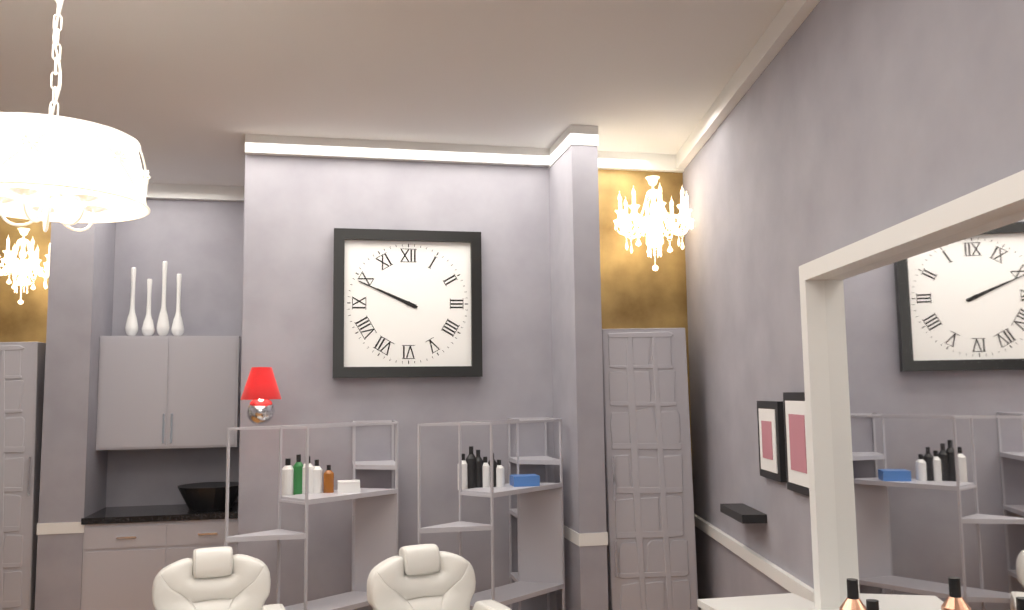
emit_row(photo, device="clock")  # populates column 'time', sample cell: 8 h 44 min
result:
9 h 49 min
